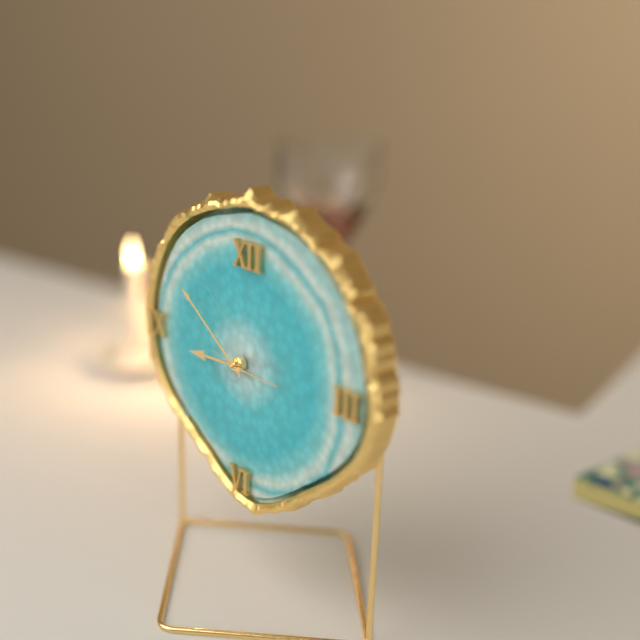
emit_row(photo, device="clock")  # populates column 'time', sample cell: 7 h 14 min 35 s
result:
8 h 51 min 15 s
